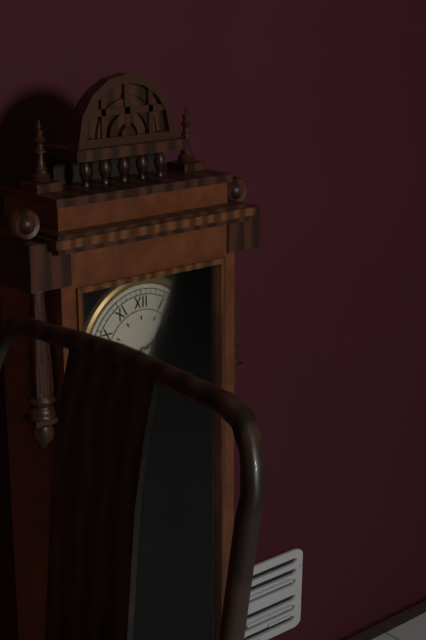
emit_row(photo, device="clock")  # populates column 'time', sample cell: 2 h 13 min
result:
2 h 14 min
